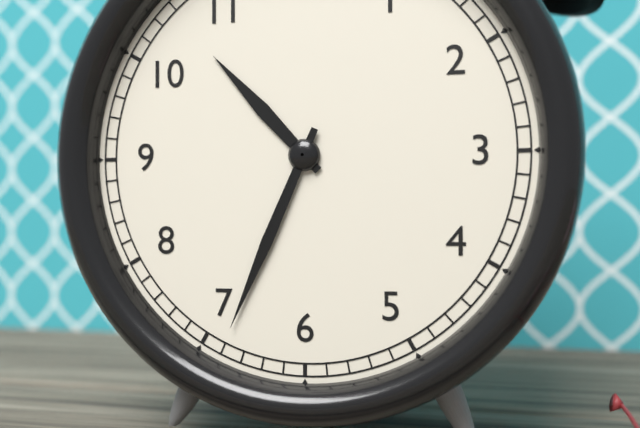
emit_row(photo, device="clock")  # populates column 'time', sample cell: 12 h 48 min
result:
10 h 34 min
